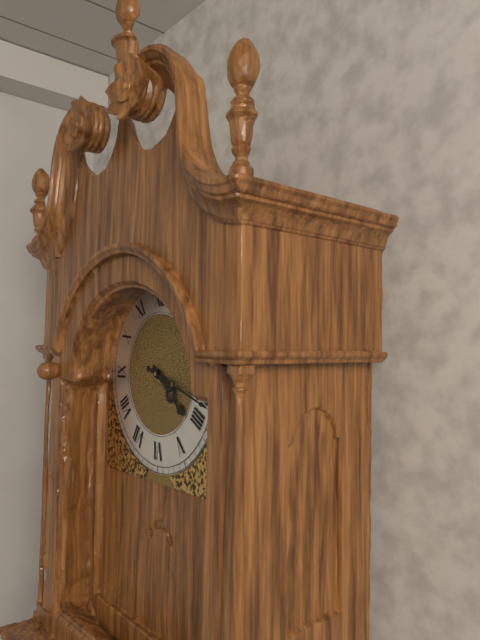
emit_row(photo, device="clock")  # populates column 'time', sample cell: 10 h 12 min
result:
4 h 18 min
